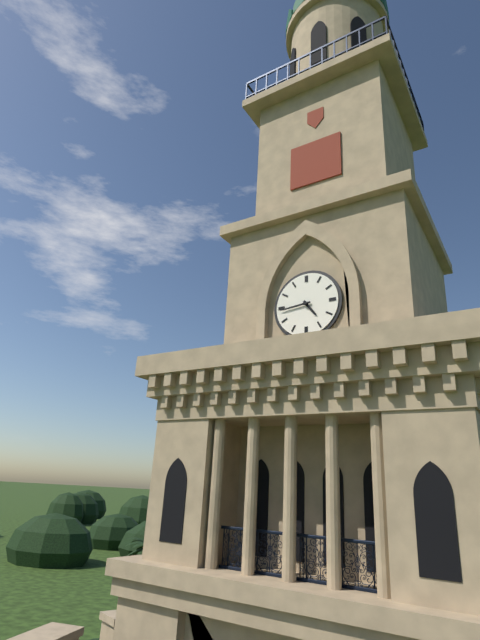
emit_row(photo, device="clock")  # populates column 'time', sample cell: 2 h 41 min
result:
4 h 44 min
